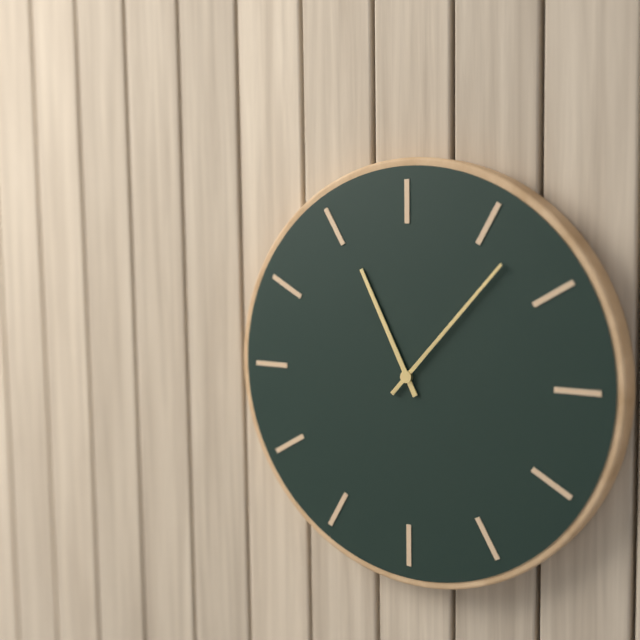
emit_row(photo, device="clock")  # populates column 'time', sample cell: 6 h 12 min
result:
11 h 07 min
